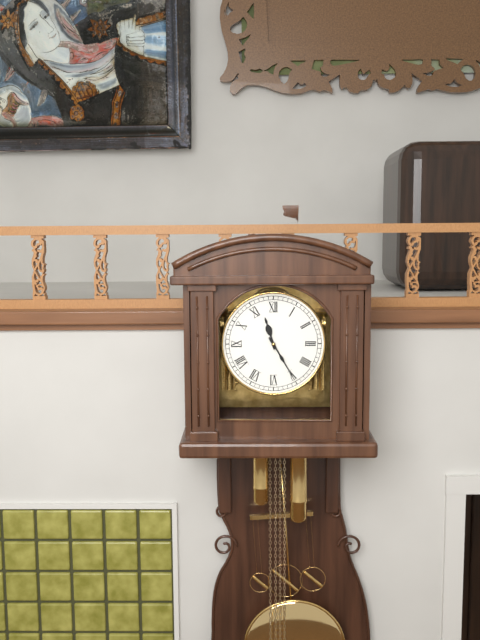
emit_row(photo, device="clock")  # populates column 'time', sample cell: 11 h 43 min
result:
11 h 25 min
